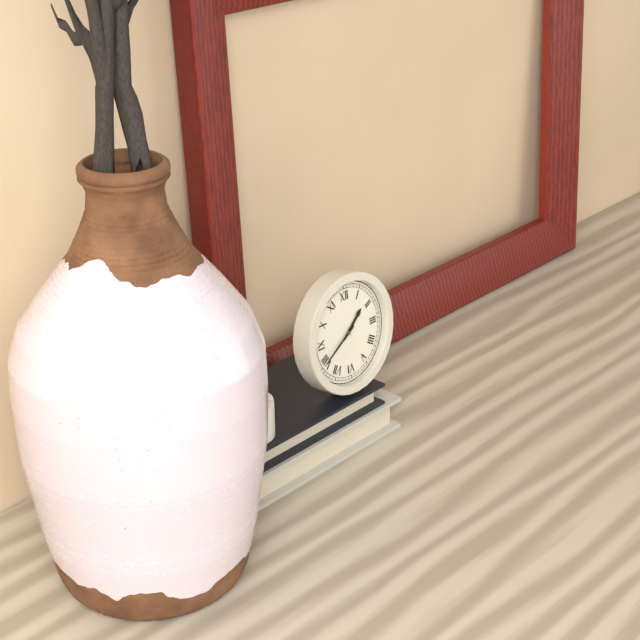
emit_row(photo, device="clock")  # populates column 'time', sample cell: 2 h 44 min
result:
1 h 40 min
